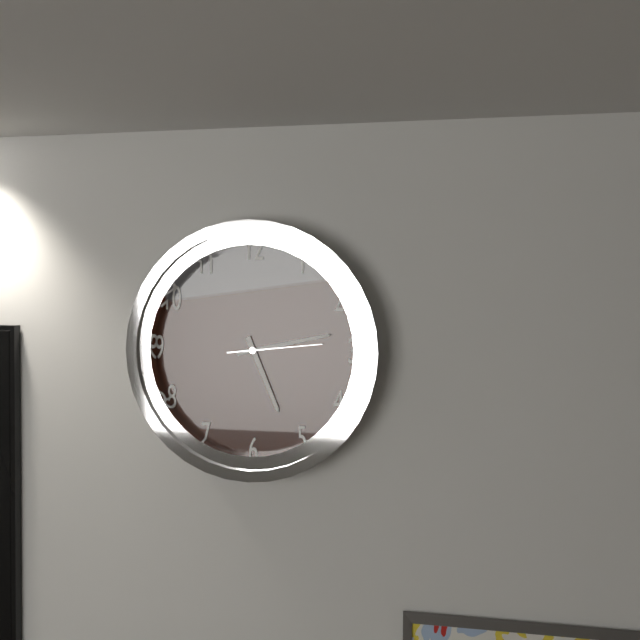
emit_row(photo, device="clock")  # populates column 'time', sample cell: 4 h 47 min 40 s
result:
5 h 13 min 14 s
